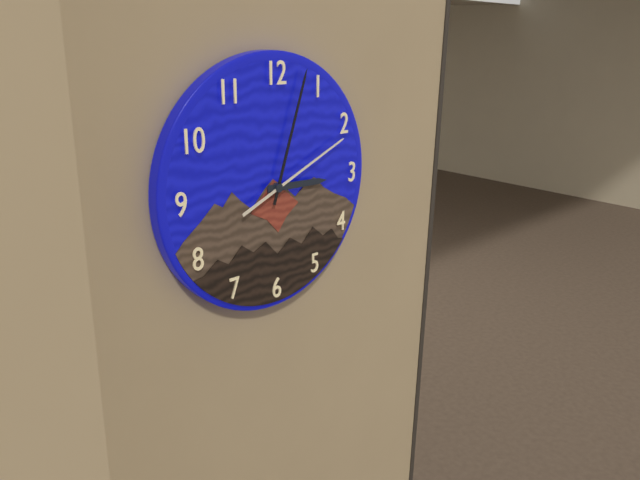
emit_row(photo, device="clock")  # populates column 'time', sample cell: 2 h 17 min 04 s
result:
3 h 03 min 11 s
